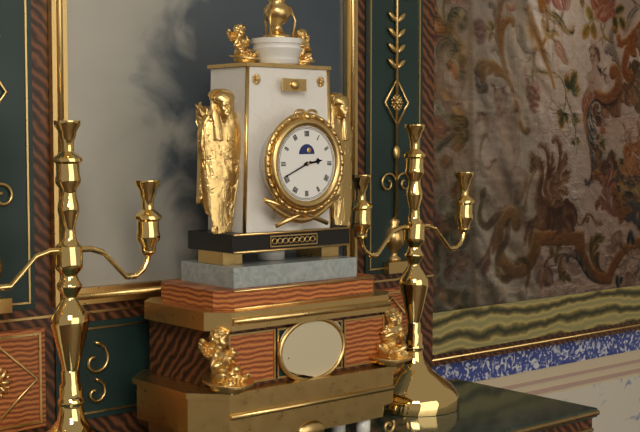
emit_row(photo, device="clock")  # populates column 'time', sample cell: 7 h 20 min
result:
2 h 41 min
